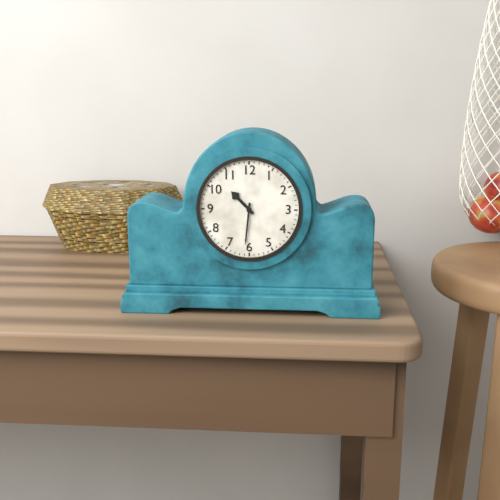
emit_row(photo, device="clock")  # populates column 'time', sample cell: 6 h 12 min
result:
10 h 31 min
